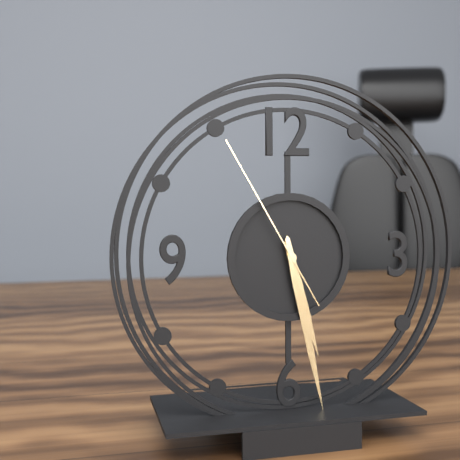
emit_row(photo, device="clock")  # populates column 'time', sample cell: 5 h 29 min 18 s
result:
5 h 28 min 55 s
